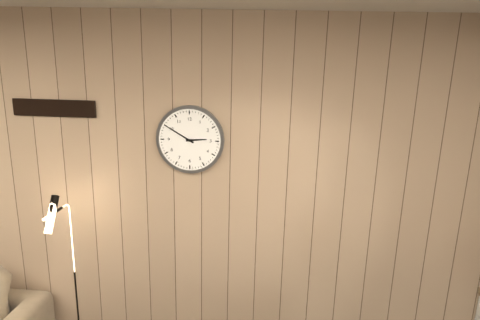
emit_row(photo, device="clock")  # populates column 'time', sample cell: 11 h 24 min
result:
2 h 50 min
